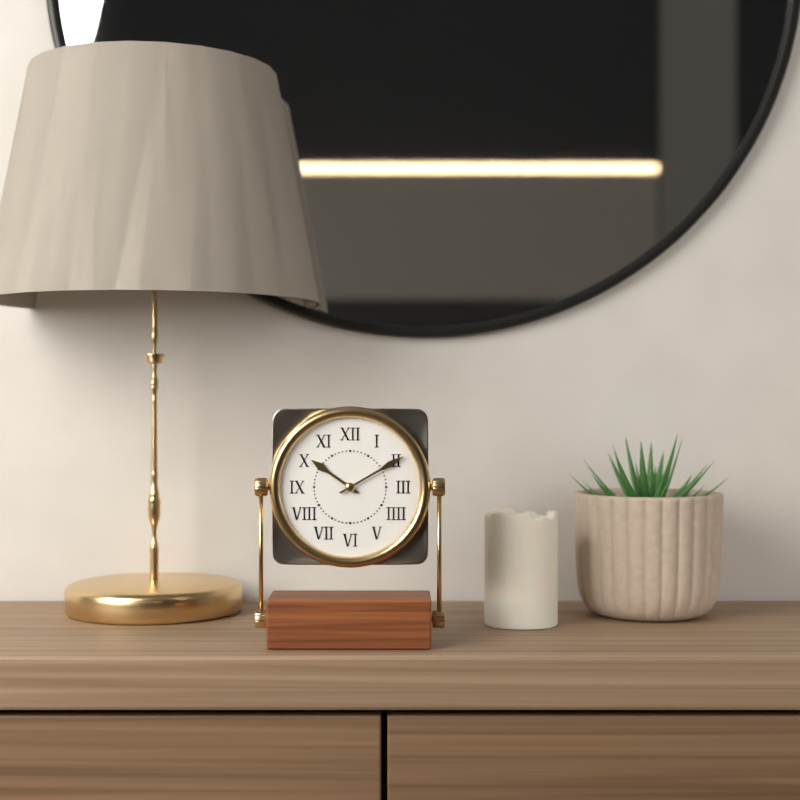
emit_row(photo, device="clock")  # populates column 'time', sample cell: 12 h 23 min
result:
10 h 10 min
